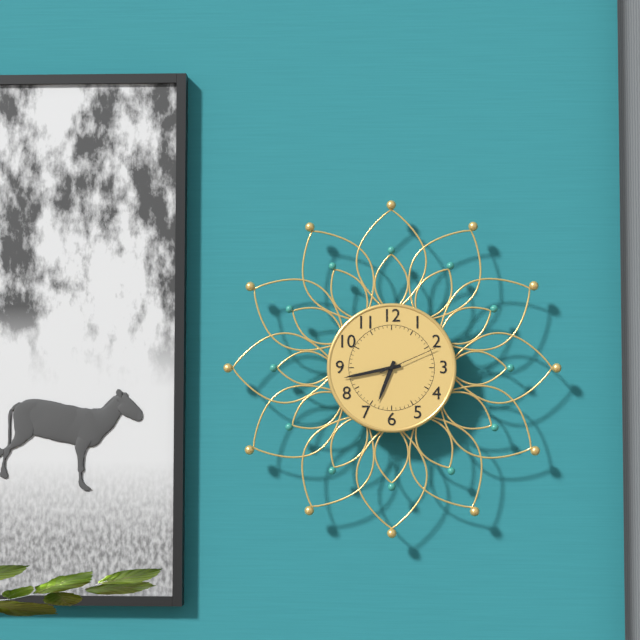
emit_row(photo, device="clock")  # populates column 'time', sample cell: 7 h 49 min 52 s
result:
6 h 43 min 11 s
